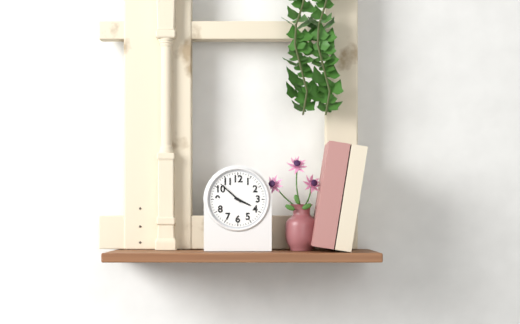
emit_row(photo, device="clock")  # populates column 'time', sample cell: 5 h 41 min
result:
3 h 52 min
